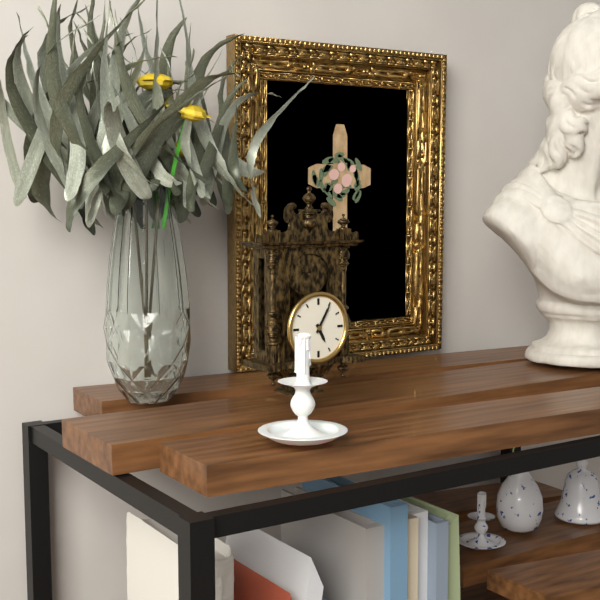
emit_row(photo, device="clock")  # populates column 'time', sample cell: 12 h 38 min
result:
5 h 05 min
